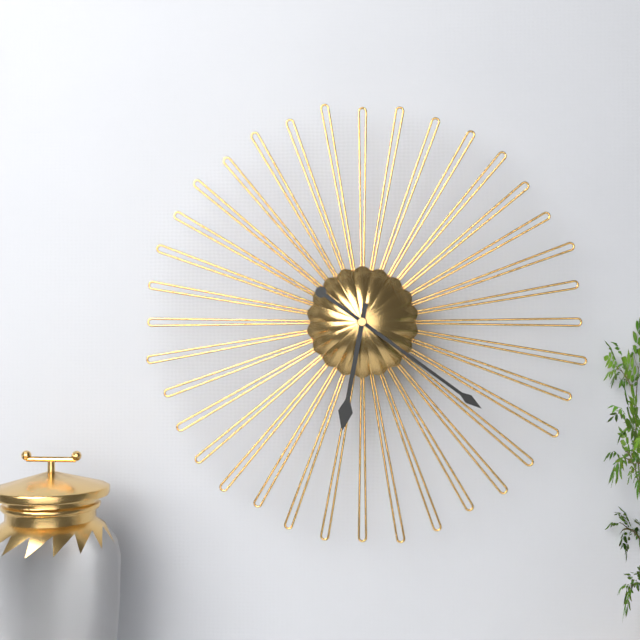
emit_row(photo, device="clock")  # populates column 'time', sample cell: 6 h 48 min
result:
6 h 21 min
